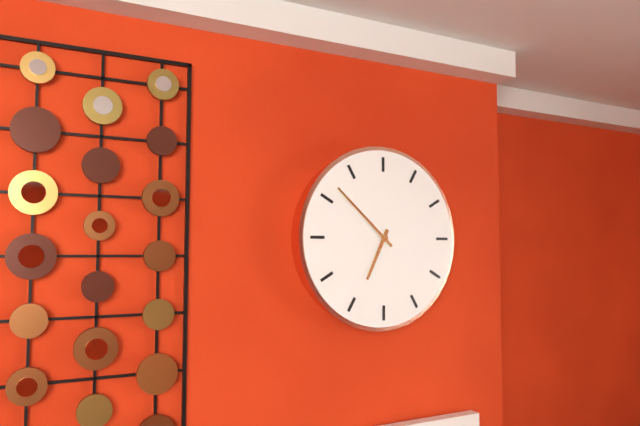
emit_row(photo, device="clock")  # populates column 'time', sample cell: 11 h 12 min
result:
6 h 52 min
